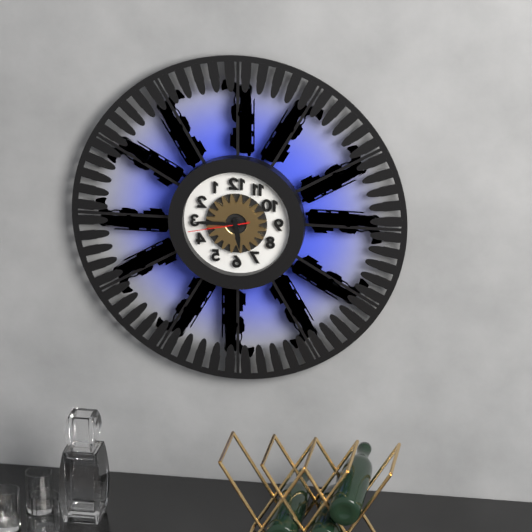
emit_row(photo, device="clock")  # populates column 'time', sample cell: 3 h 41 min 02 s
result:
5 h 45 min 43 s
